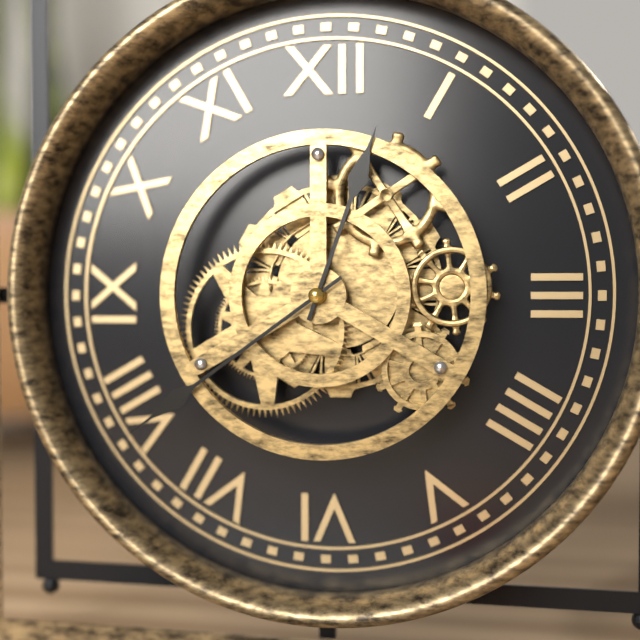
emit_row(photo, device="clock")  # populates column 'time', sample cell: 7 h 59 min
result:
12 h 39 min
